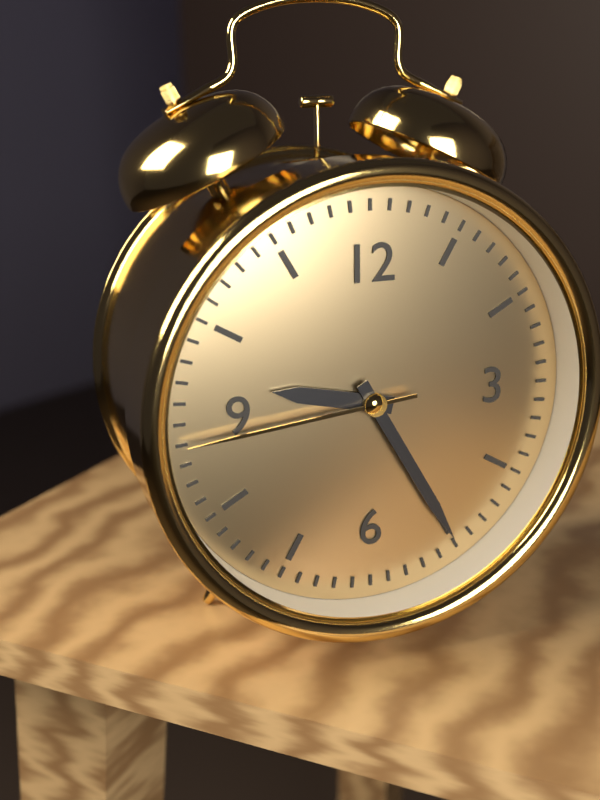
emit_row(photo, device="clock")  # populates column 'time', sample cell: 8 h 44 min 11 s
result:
9 h 25 min 44 s
